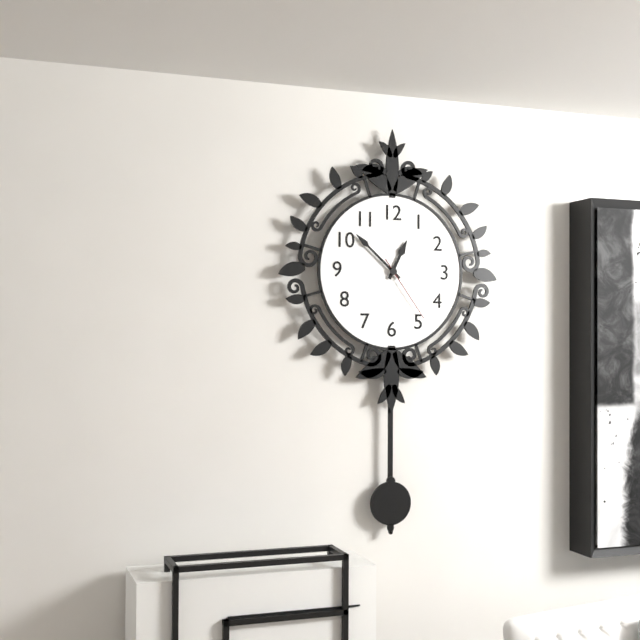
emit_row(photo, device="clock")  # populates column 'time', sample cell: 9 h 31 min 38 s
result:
12 h 52 min 24 s
